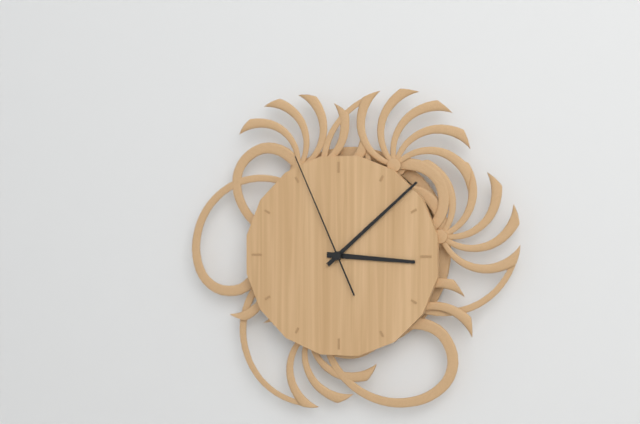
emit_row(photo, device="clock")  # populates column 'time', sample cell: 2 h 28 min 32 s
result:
3 h 08 min 56 s
